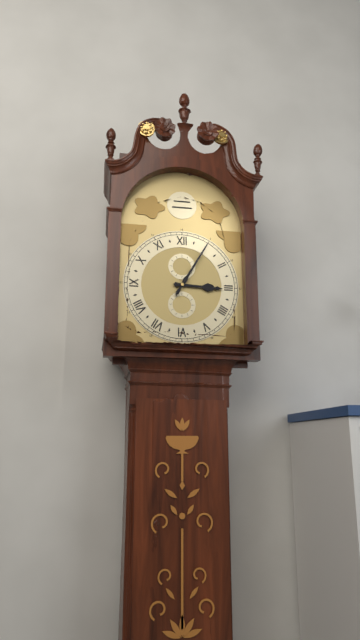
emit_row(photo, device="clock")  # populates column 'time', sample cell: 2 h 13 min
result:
3 h 05 min
